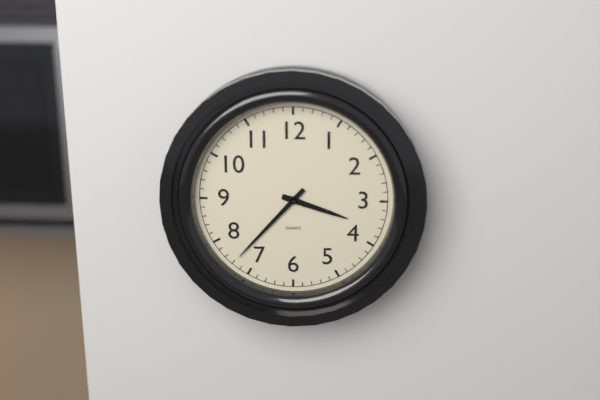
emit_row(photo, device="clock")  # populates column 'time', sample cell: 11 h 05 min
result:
3 h 37 min
